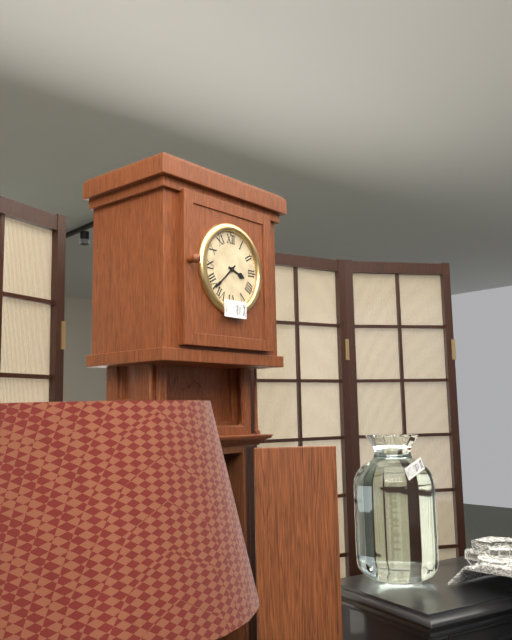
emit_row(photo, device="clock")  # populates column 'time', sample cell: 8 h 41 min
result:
3 h 38 min
